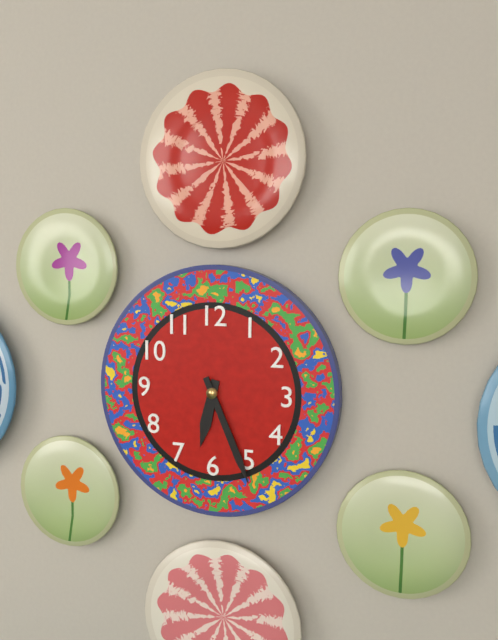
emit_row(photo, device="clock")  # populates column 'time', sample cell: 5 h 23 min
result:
6 h 26 min
